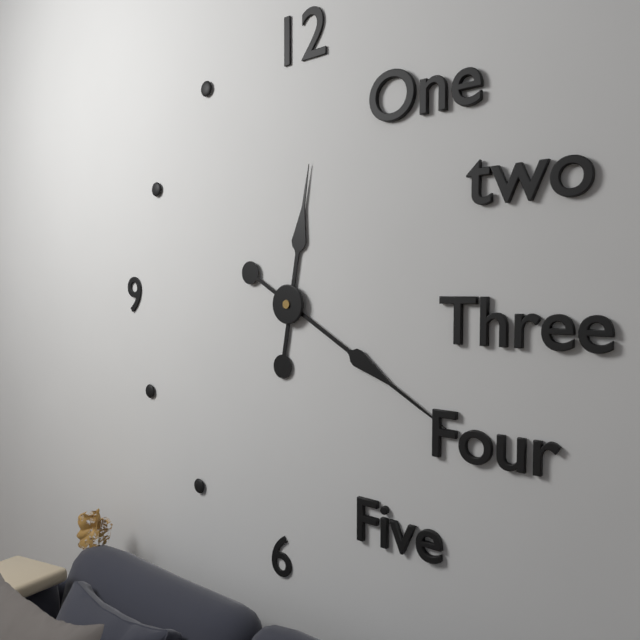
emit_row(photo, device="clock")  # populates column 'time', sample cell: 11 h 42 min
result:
12 h 20 min
